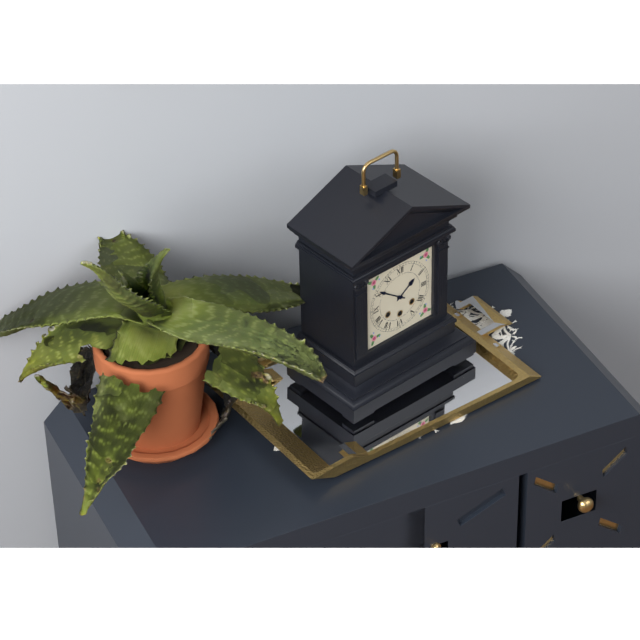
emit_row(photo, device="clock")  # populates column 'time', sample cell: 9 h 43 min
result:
1 h 51 min
